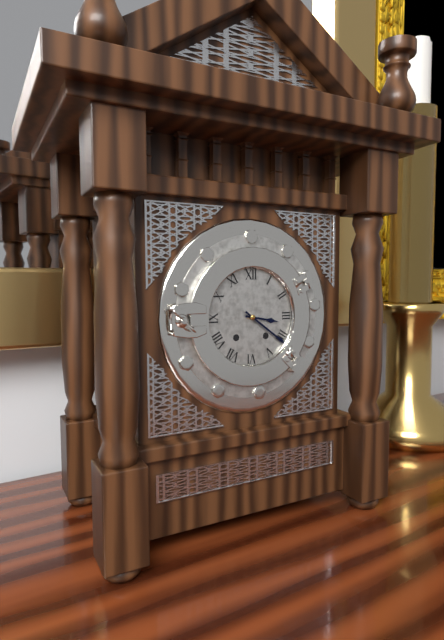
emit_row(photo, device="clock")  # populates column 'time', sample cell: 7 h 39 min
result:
3 h 21 min
